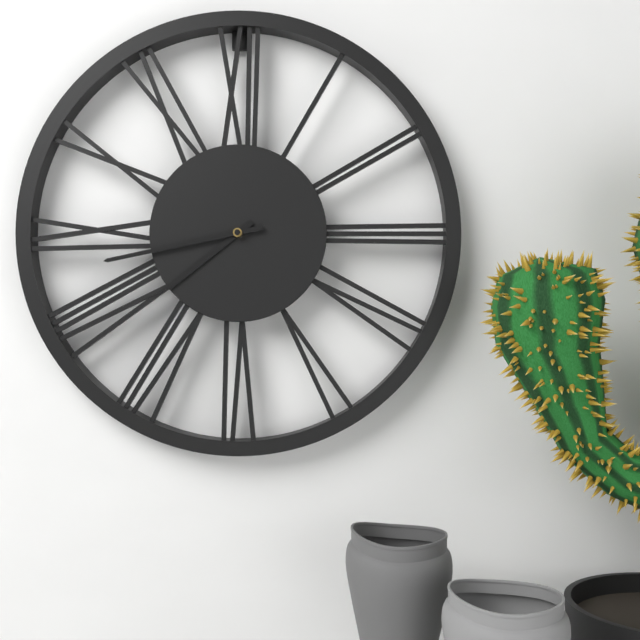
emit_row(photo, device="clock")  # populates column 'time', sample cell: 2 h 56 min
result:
7 h 43 min
